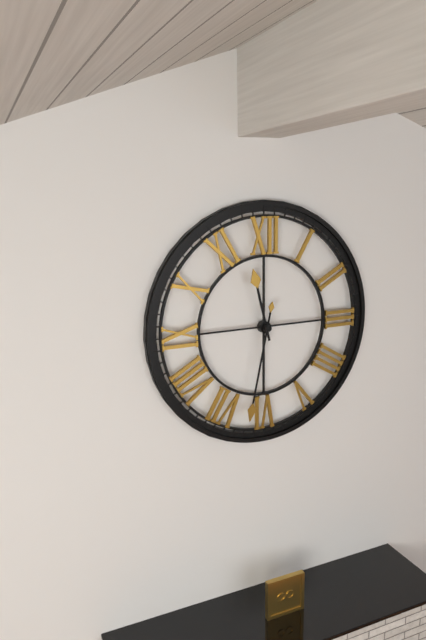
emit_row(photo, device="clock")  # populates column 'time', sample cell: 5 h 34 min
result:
11 h 32 min
